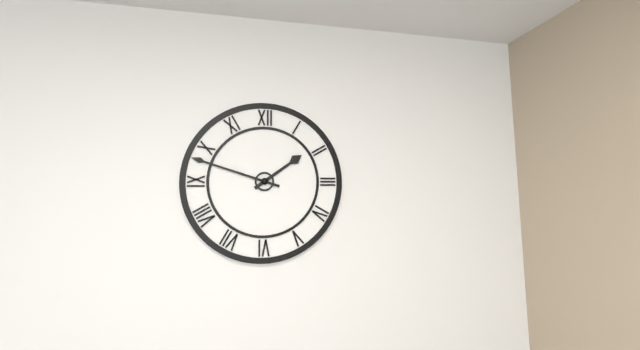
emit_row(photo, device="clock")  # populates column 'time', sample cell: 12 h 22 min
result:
1 h 48 min
